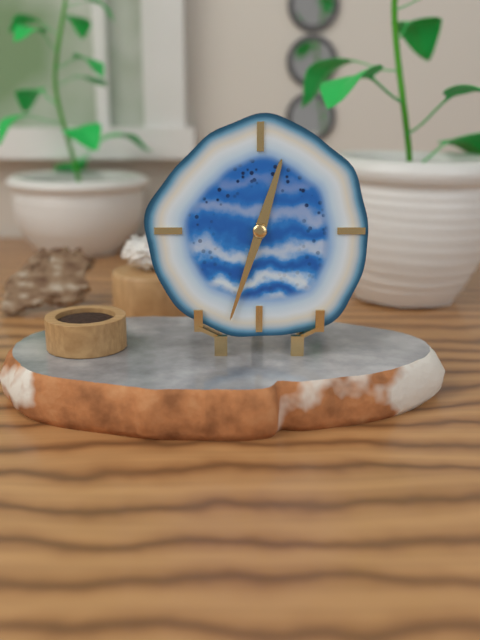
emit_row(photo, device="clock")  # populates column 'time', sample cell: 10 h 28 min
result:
12 h 33 min
